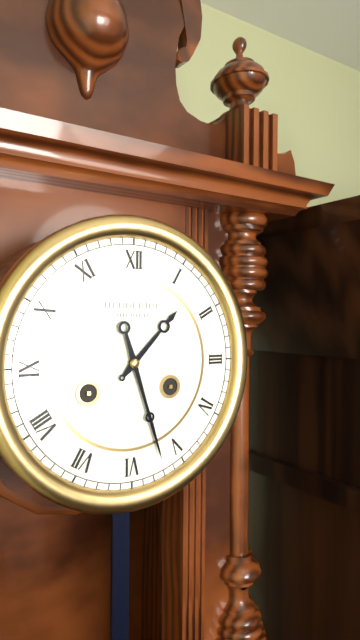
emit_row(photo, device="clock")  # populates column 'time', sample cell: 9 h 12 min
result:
1 h 27 min
